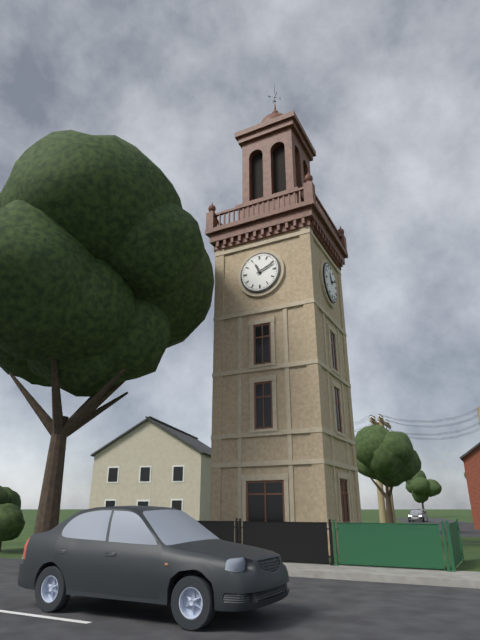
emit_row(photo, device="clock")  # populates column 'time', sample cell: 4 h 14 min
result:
11 h 11 min
